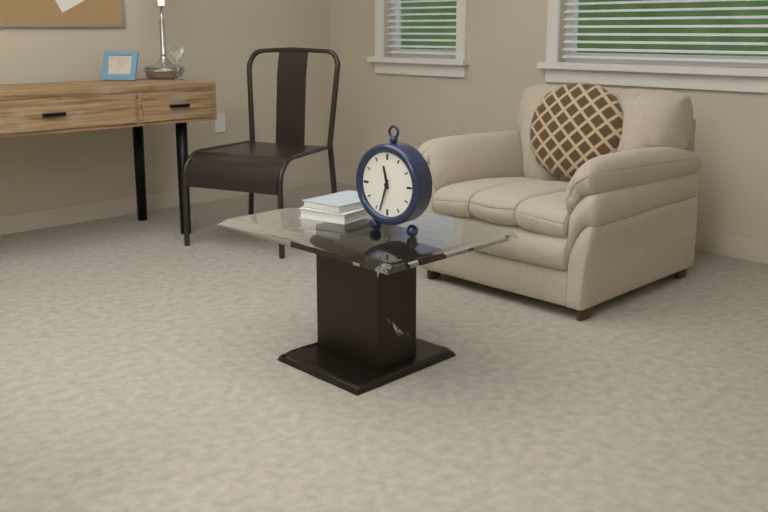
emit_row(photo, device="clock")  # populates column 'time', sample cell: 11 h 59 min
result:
11 h 33 min
